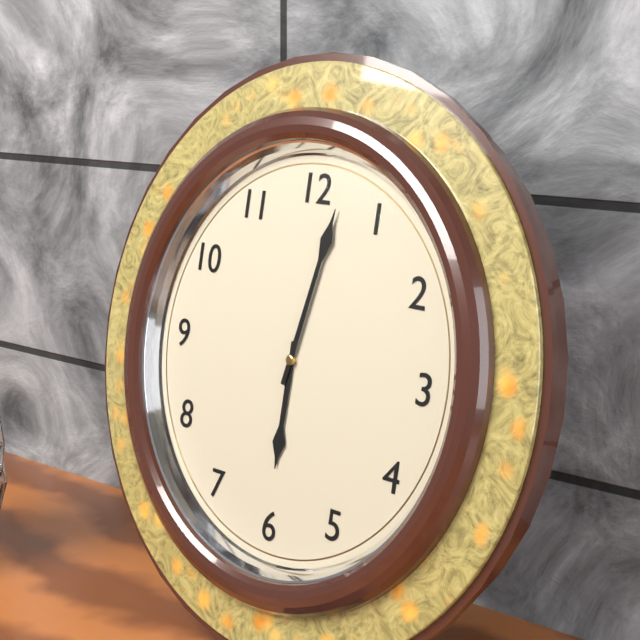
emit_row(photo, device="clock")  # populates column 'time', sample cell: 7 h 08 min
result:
6 h 02 min
